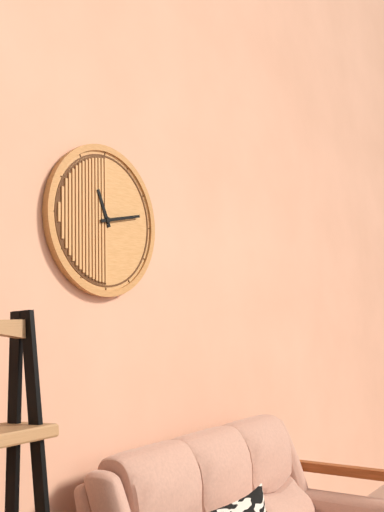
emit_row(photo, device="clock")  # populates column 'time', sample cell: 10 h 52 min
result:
11 h 13 min
